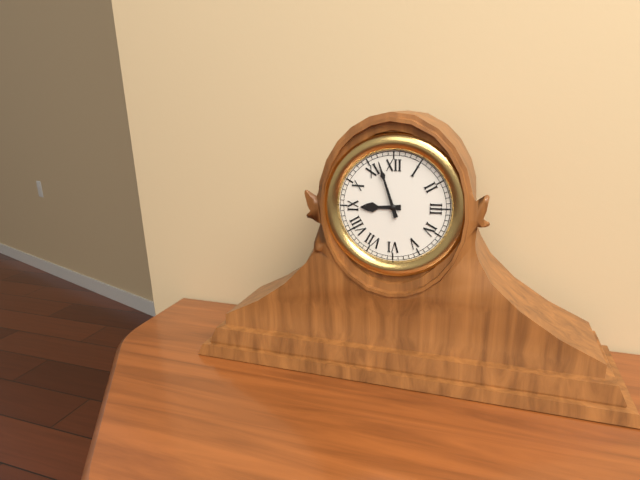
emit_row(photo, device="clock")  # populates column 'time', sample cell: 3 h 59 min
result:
8 h 57 min
